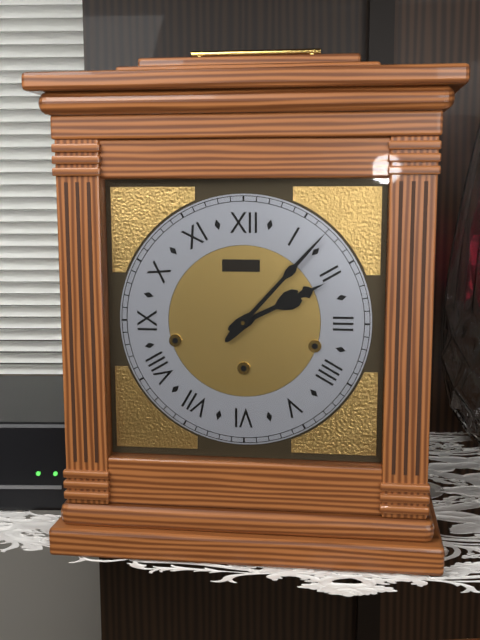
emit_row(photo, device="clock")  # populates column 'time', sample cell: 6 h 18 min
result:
2 h 07 min
